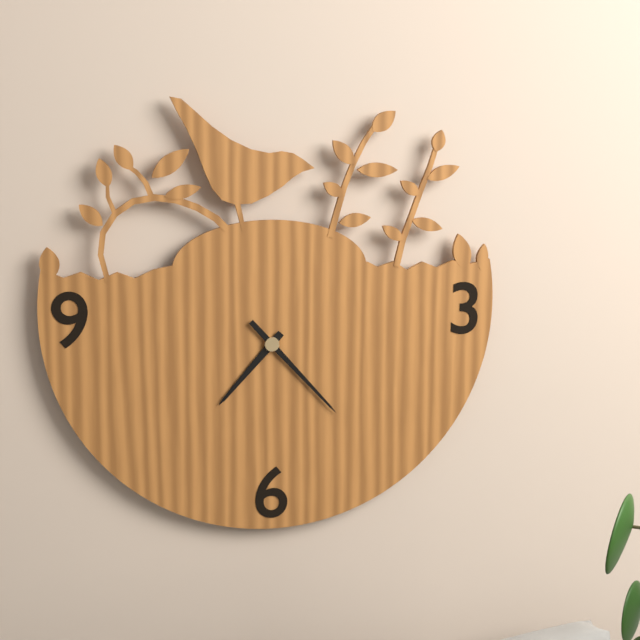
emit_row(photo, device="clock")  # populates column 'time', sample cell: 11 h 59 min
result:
7 h 23 min
